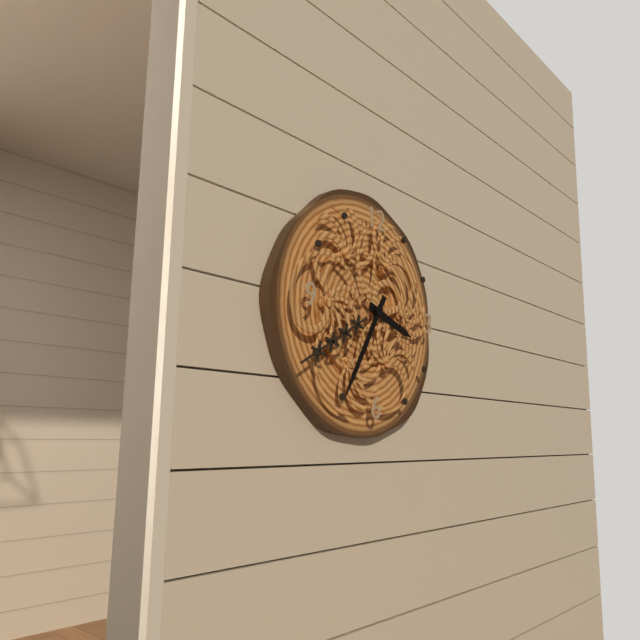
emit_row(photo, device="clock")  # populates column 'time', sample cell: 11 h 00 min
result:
3 h 35 min
